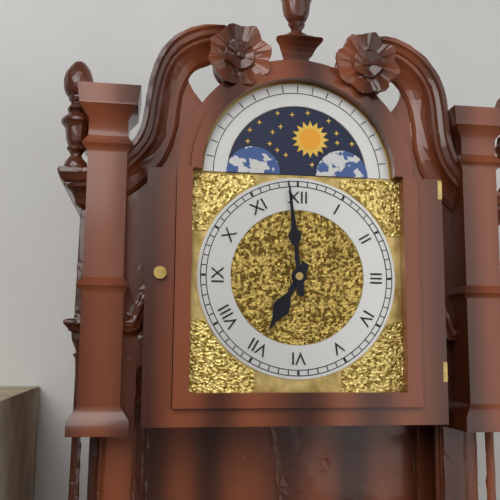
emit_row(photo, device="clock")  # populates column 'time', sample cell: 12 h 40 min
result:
6 h 59 min
